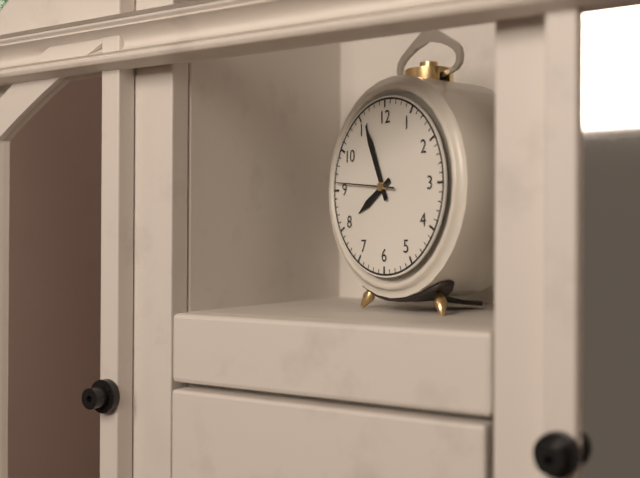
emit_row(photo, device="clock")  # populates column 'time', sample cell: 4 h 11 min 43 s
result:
7 h 56 min 46 s
